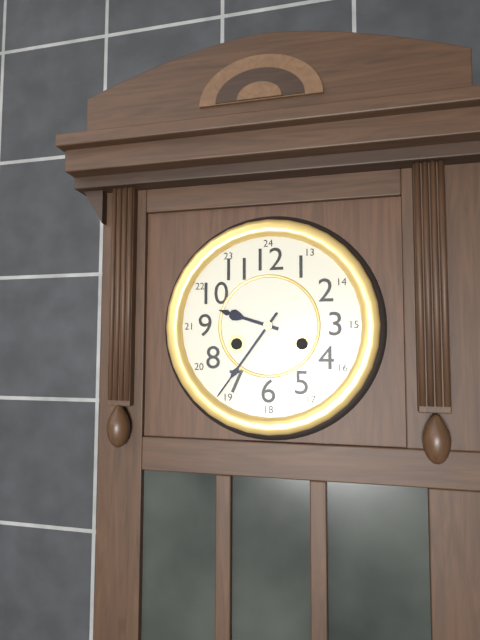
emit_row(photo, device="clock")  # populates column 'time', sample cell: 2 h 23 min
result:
9 h 36 min
